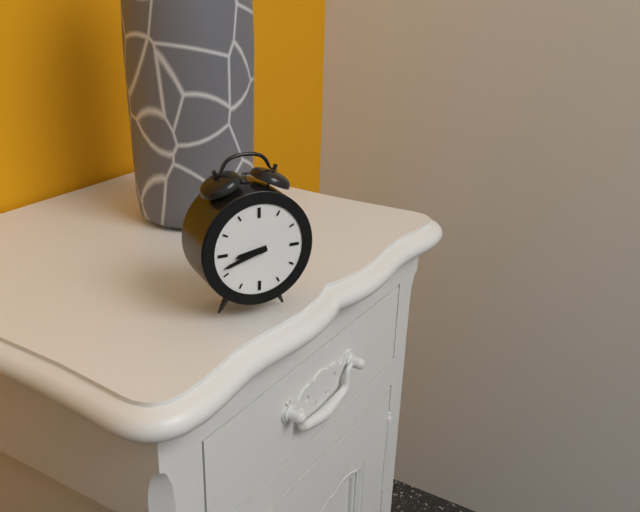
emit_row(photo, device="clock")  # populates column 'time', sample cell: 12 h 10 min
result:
8 h 42 min
